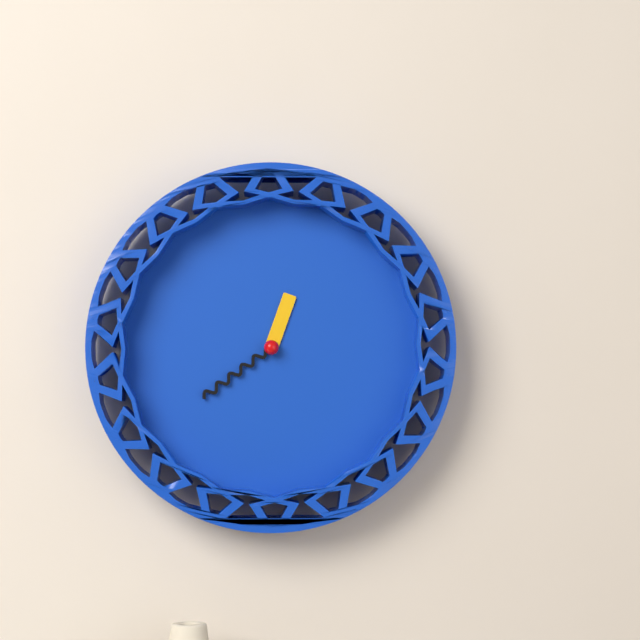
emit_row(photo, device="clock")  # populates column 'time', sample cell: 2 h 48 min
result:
12 h 39 min
